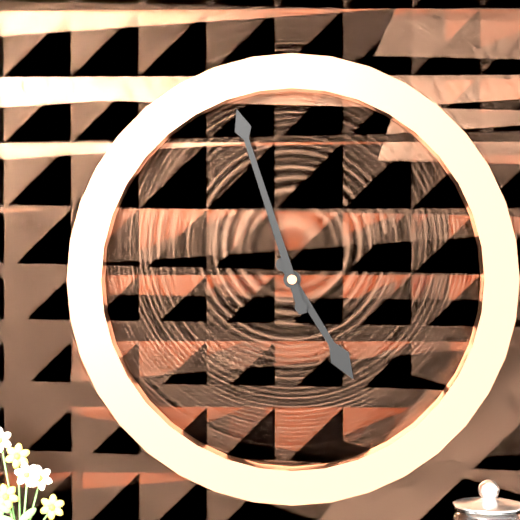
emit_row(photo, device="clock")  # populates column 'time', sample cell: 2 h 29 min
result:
4 h 57 min
